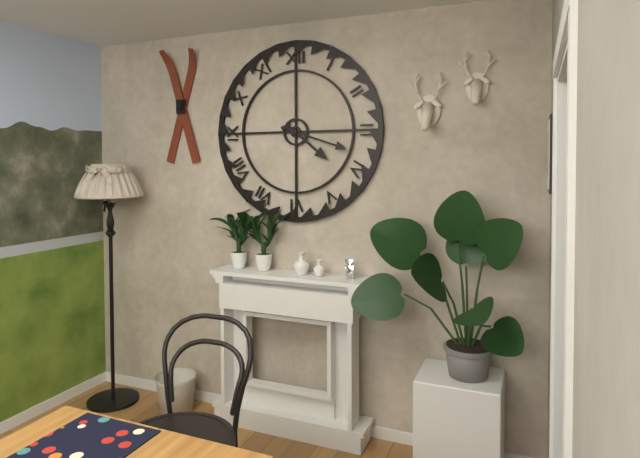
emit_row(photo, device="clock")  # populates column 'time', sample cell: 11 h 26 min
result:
4 h 18 min
